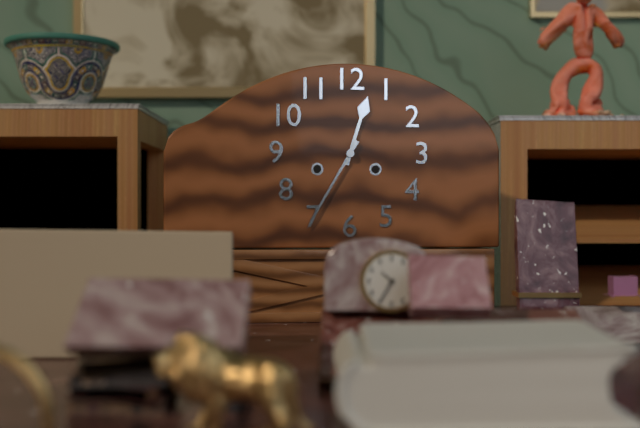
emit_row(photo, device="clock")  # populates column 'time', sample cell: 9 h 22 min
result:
12 h 35 min
